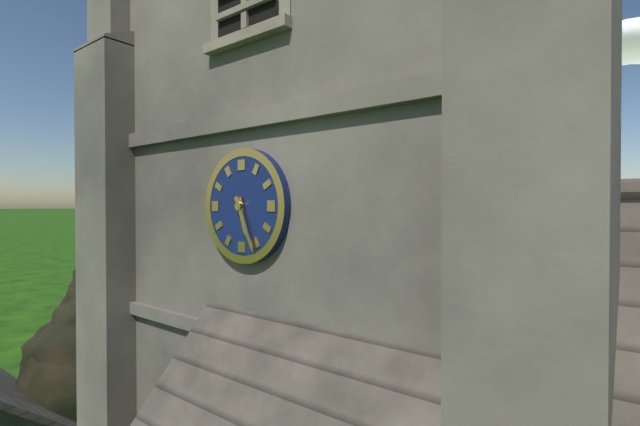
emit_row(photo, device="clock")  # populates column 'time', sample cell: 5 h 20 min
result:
5 h 26 min
